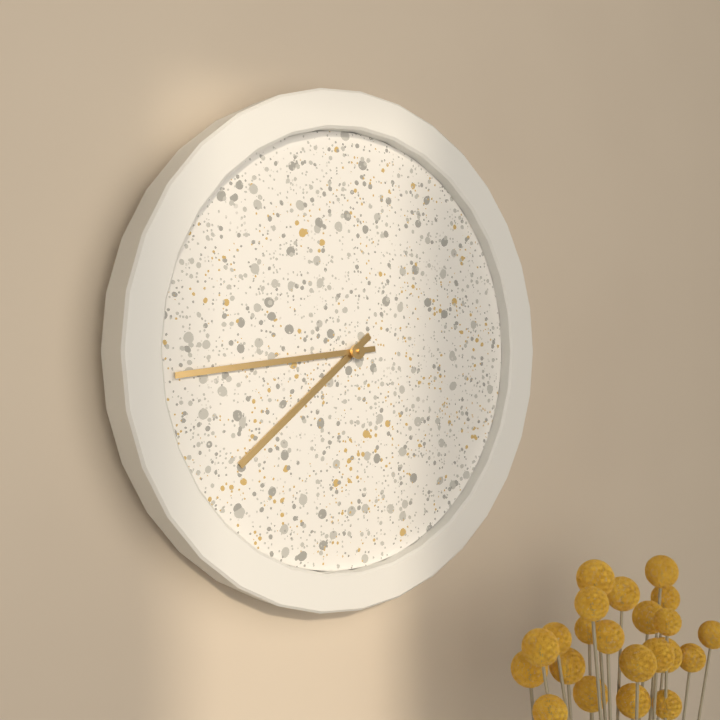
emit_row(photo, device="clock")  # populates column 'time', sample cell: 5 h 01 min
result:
7 h 44 min
